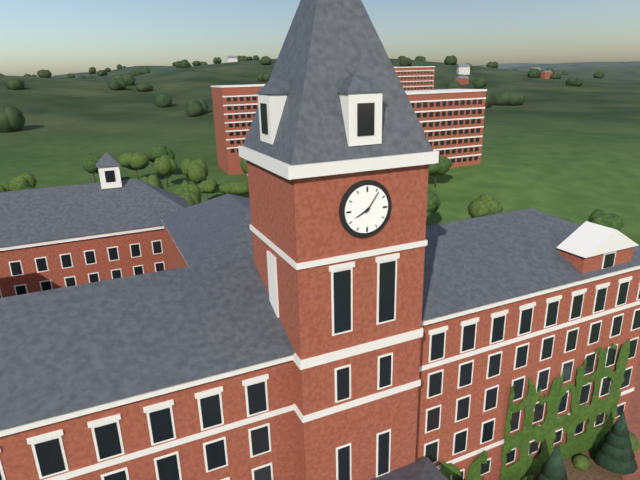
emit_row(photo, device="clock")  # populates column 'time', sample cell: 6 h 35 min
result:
8 h 06 min
